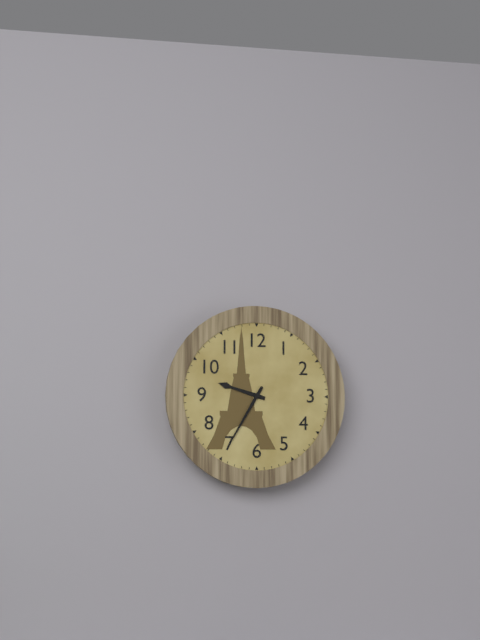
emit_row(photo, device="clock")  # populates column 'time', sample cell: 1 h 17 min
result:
9 h 35 min
